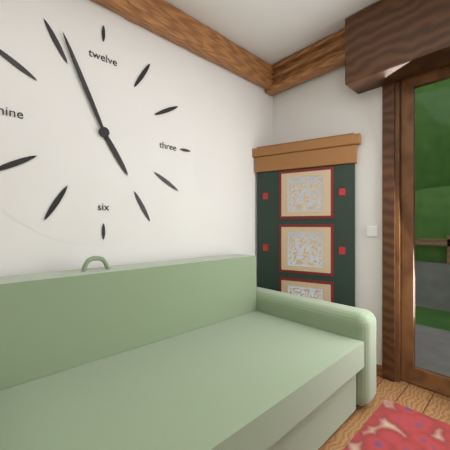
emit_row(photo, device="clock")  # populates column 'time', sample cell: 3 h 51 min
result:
4 h 56 min
